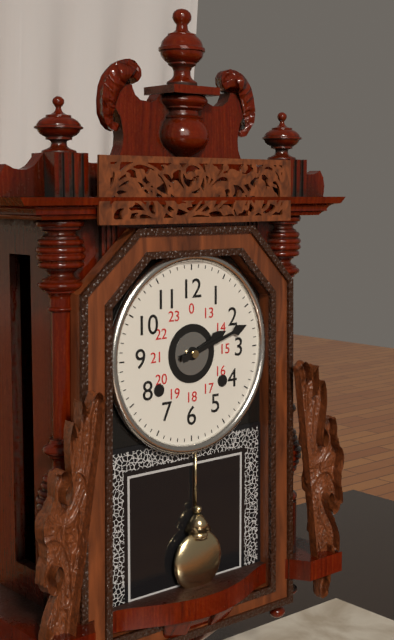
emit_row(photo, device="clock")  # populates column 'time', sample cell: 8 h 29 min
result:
2 h 12 min
